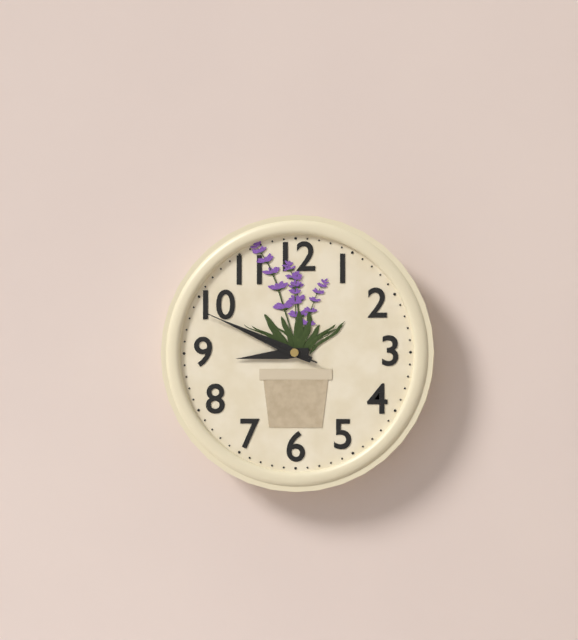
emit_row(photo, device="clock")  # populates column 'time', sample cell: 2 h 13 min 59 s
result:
8 h 49 min 49 s
